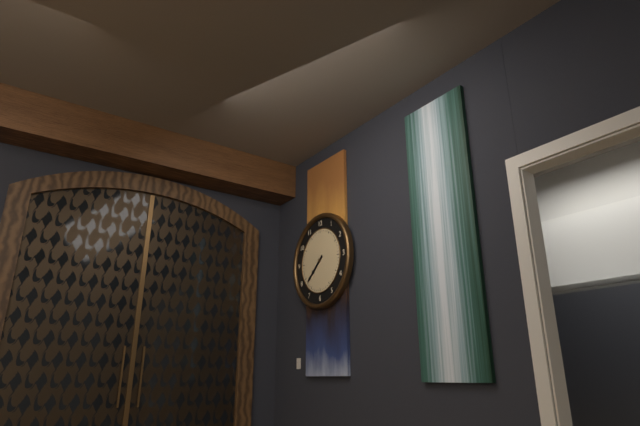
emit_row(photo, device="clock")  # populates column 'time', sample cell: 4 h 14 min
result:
7 h 38 min
